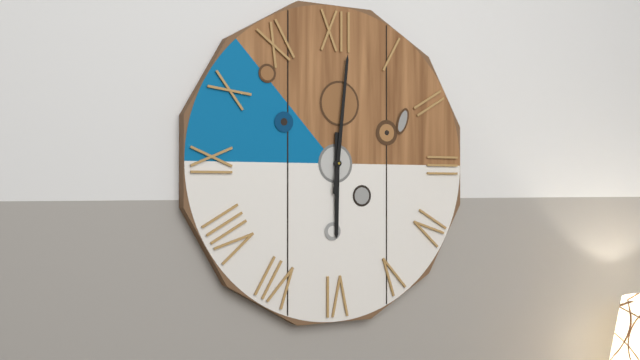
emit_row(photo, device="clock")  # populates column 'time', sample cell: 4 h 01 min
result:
6 h 01 min
